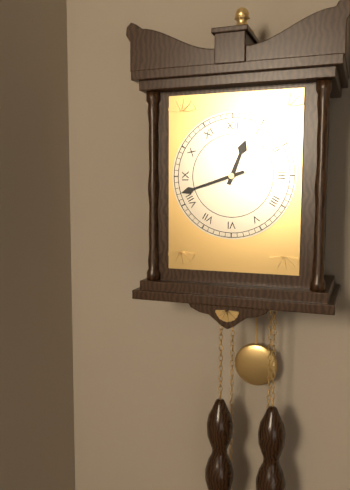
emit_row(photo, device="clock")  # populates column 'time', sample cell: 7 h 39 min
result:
12 h 42 min
